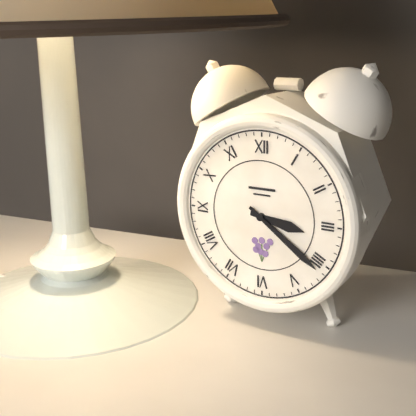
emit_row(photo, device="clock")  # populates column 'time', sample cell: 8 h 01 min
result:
3 h 21 min
